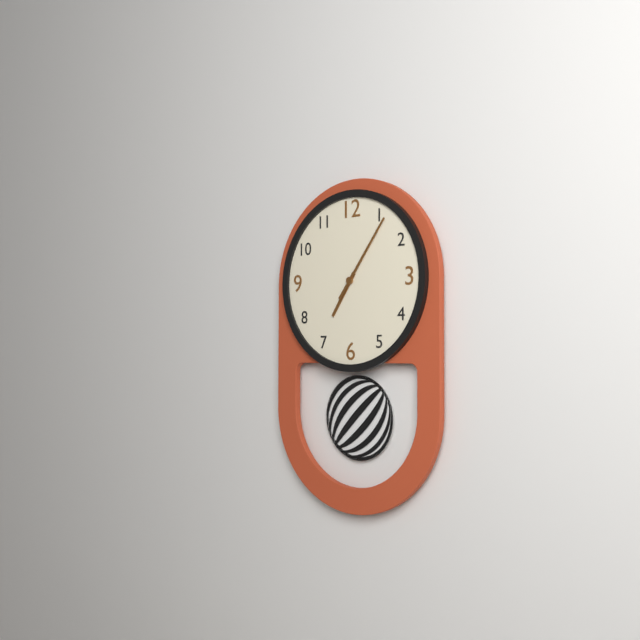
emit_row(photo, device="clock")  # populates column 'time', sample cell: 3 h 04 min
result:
7 h 06 min
